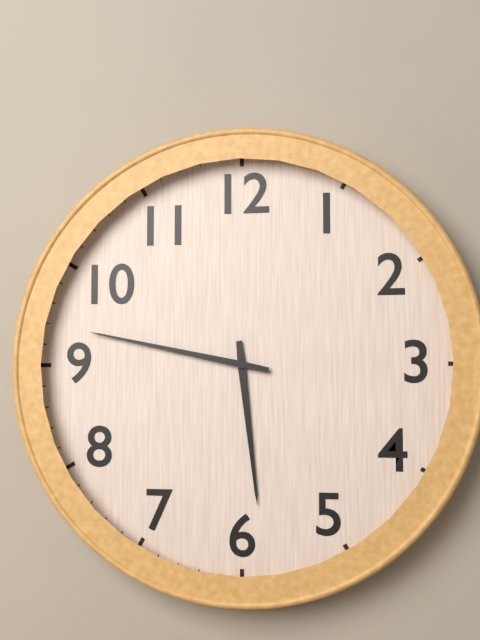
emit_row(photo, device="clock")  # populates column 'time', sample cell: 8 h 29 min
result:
5 h 47 min
